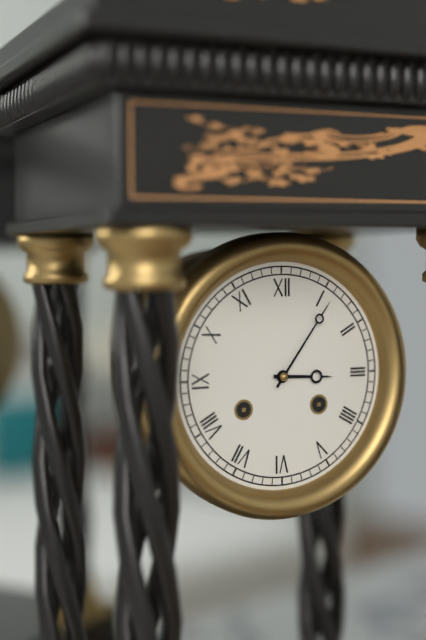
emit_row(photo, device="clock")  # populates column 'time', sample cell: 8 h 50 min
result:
3 h 06 min
